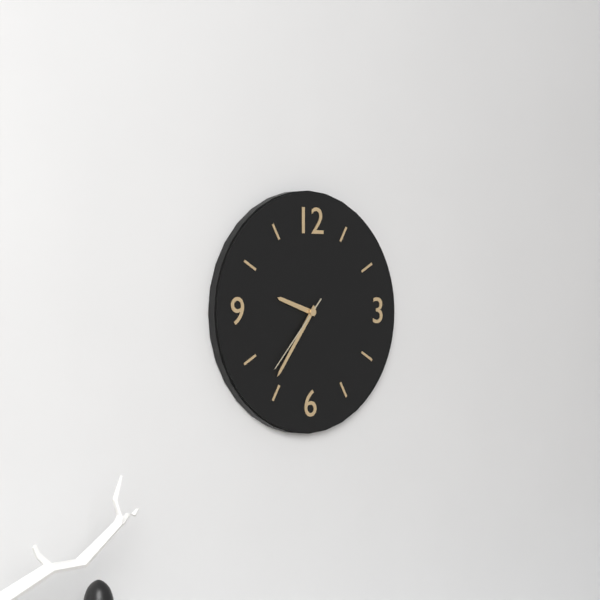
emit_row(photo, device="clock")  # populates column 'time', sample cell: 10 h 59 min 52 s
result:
9 h 36 min 37 s
